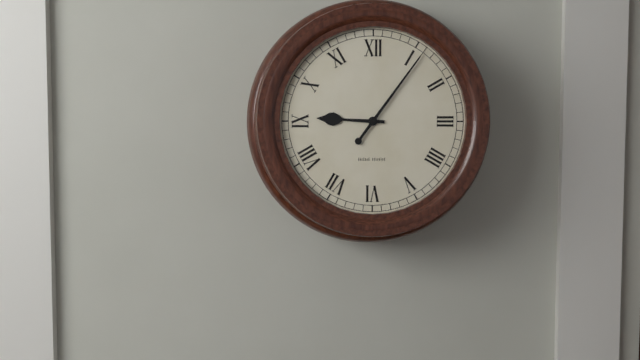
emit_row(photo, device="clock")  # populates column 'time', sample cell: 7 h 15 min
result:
9 h 06 min
